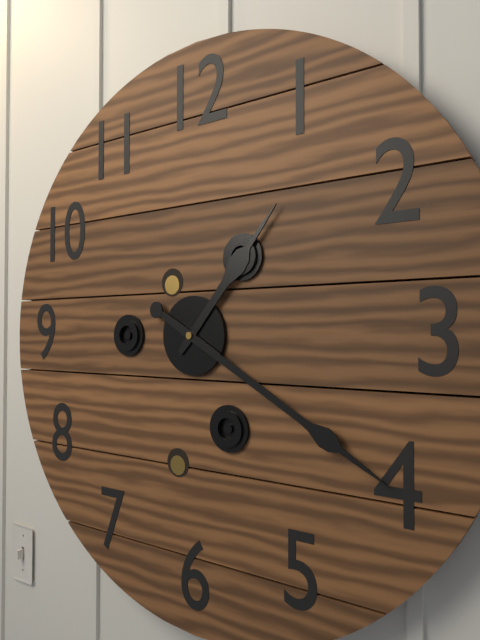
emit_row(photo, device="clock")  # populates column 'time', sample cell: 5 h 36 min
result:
1 h 20 min
